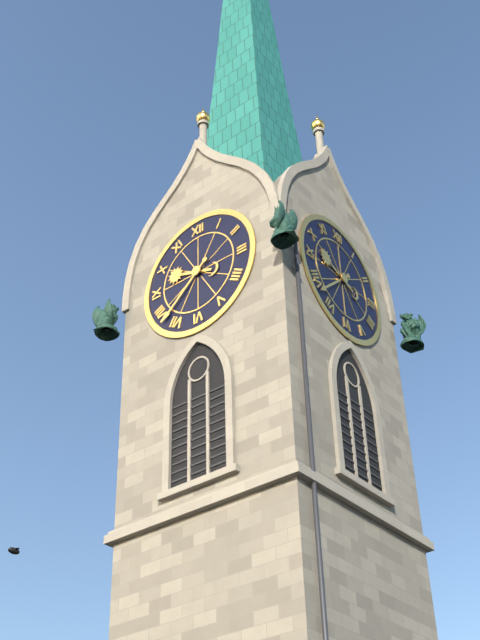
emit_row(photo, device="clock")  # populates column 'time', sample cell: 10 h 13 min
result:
9 h 38 min
